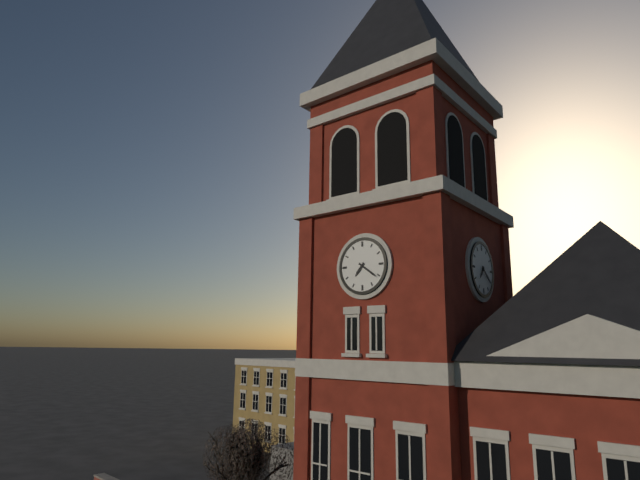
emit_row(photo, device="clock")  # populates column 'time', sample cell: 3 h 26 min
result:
7 h 21 min
